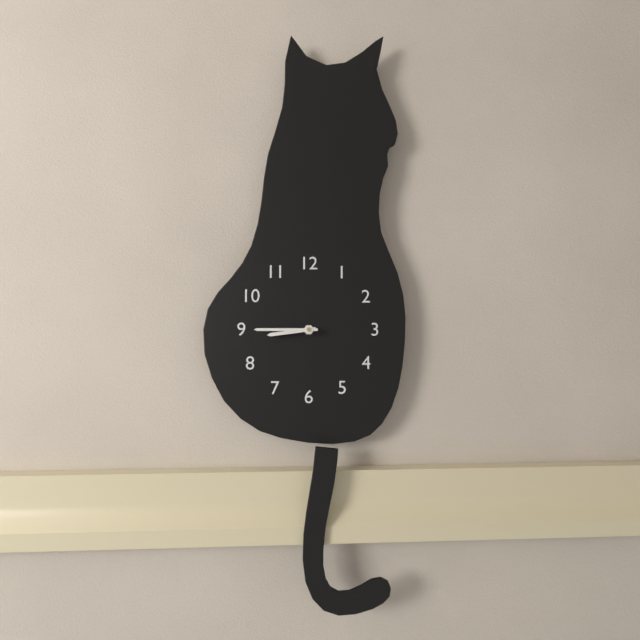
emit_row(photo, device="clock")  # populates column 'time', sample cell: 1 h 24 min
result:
8 h 45 min
